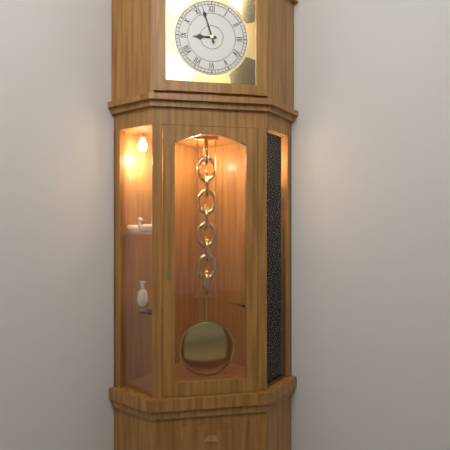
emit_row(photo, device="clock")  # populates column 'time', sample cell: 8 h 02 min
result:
8 h 57 min
